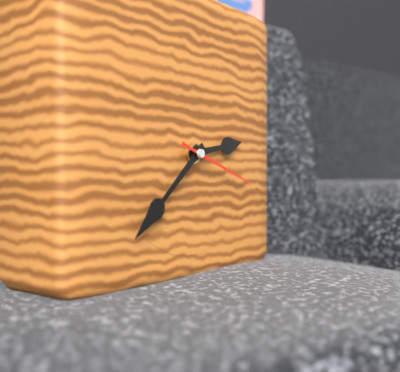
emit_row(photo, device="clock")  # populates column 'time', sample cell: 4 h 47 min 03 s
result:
2 h 38 min 18 s
